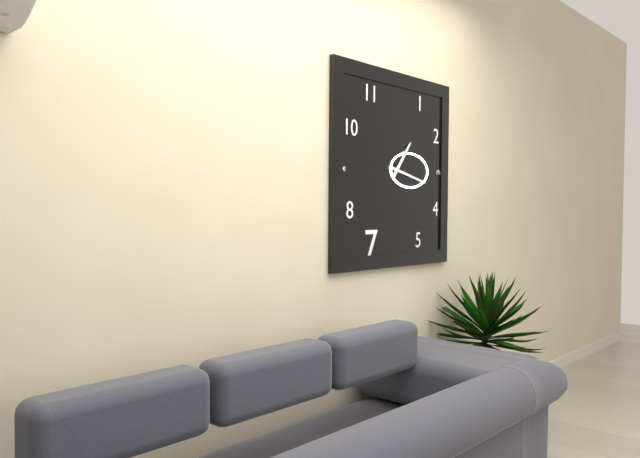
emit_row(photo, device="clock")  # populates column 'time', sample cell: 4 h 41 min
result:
1 h 17 min
